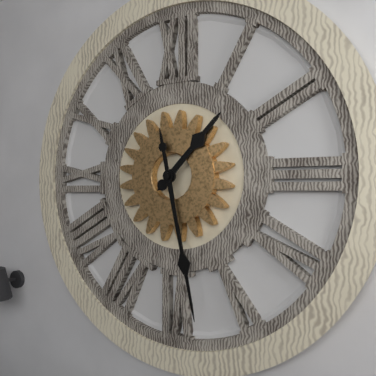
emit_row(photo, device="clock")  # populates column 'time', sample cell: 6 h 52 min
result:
1 h 28 min
